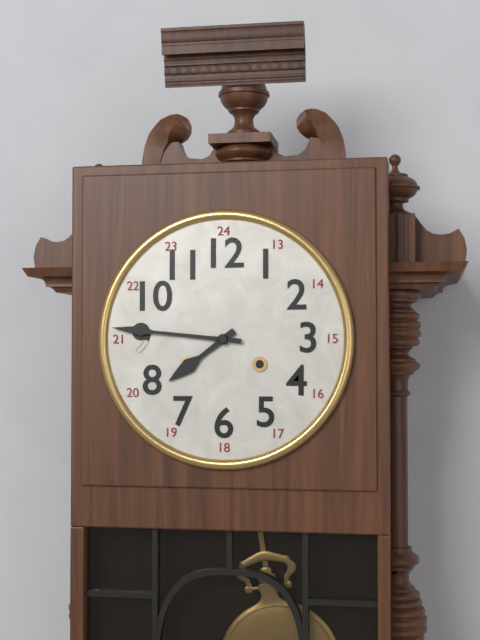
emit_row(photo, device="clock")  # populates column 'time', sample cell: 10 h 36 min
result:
7 h 46 min
